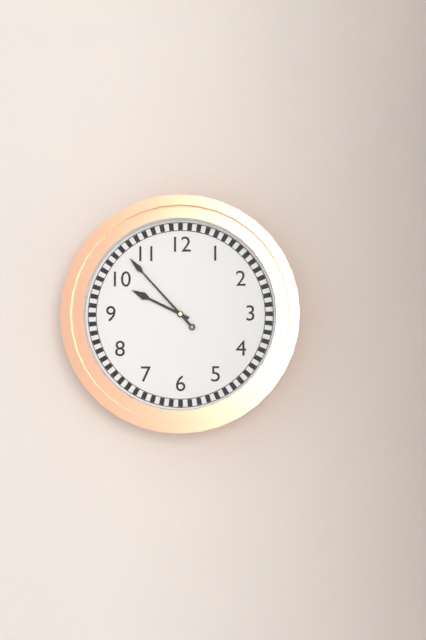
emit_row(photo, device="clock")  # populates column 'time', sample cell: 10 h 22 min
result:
9 h 53 min
